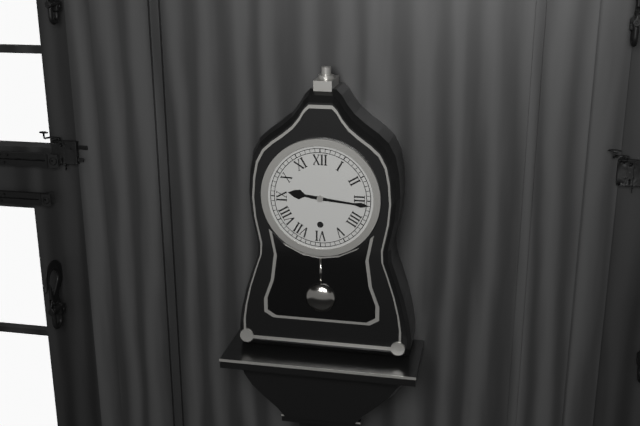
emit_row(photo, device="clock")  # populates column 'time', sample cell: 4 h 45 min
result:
9 h 16 min
